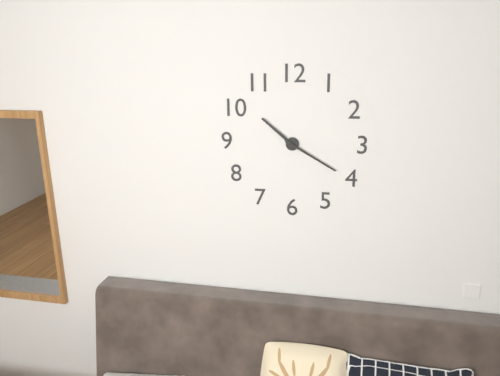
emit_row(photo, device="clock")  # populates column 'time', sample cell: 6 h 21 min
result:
10 h 20 min
